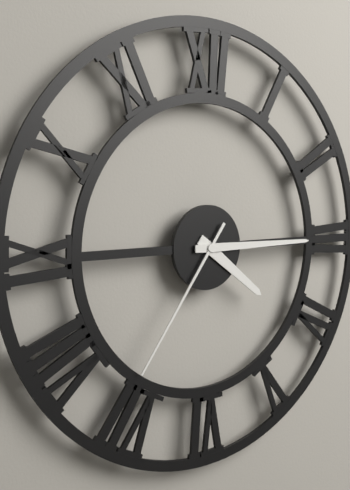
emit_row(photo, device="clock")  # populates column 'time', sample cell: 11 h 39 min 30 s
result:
4 h 15 min 36 s
